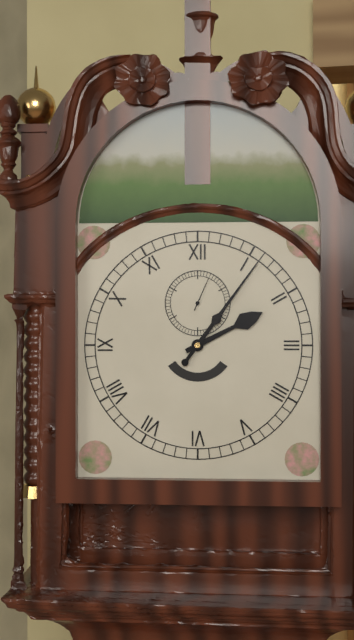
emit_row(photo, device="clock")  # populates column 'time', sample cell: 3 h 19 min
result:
2 h 06 min
